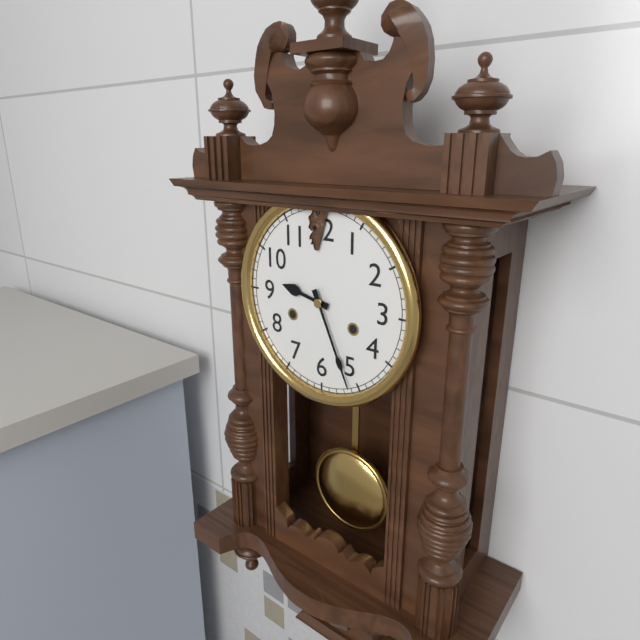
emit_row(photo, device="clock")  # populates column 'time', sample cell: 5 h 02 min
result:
9 h 26 min
